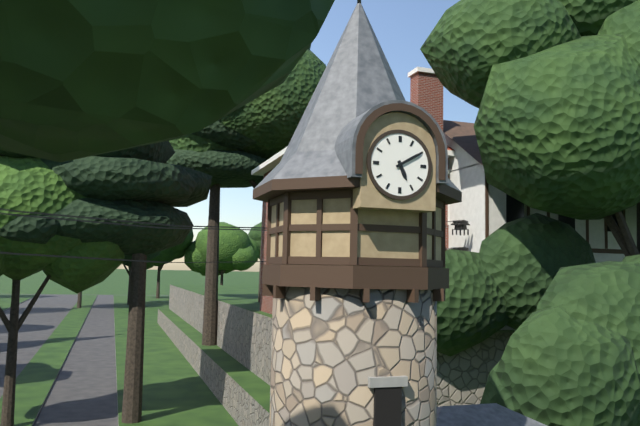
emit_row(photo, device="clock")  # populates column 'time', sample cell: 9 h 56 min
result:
5 h 10 min
